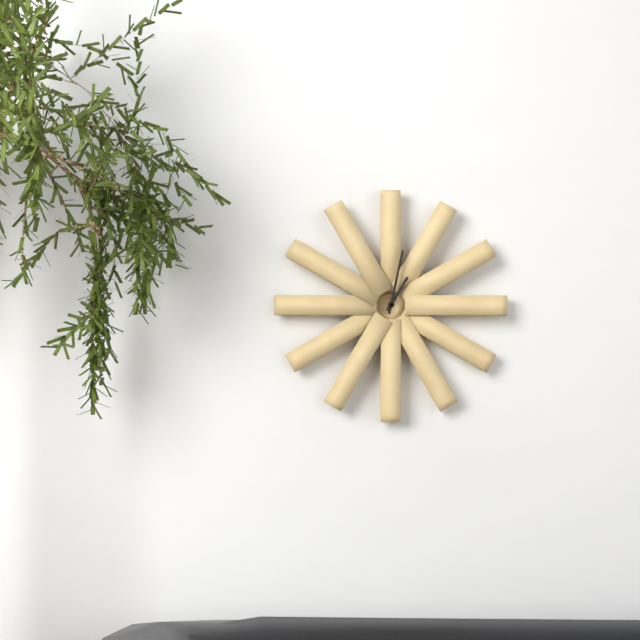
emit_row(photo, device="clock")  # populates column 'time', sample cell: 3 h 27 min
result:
1 h 02 min
